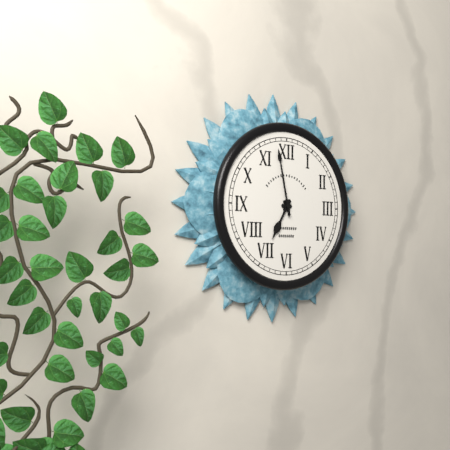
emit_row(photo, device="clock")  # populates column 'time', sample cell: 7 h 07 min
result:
6 h 58 min
